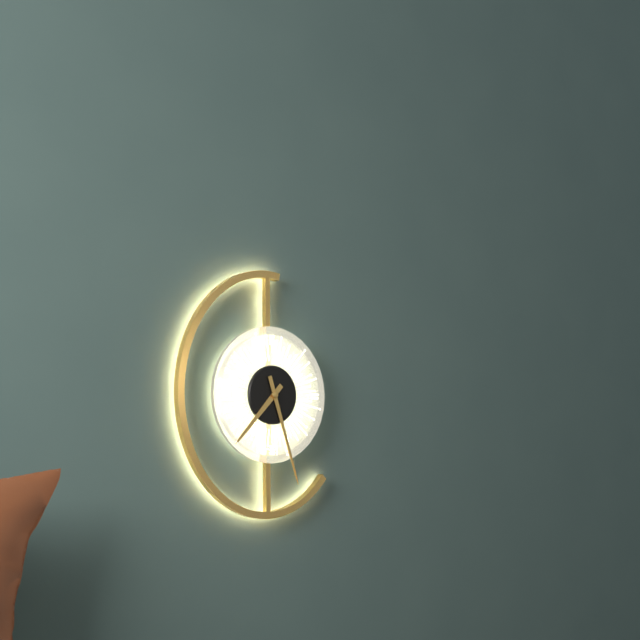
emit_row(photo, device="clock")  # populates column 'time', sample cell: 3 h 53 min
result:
7 h 27 min
